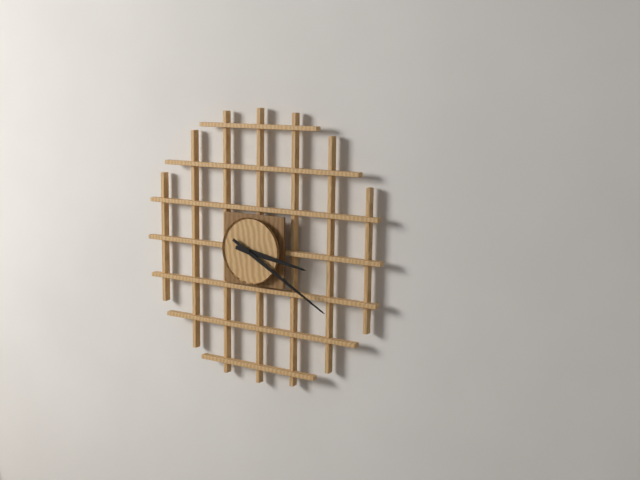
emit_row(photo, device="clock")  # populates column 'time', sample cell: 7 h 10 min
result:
3 h 20 min
